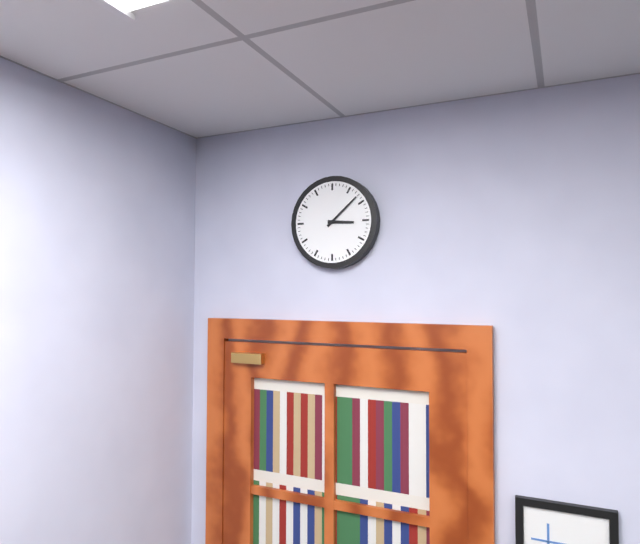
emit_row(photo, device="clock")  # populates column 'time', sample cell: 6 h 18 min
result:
3 h 08 min
